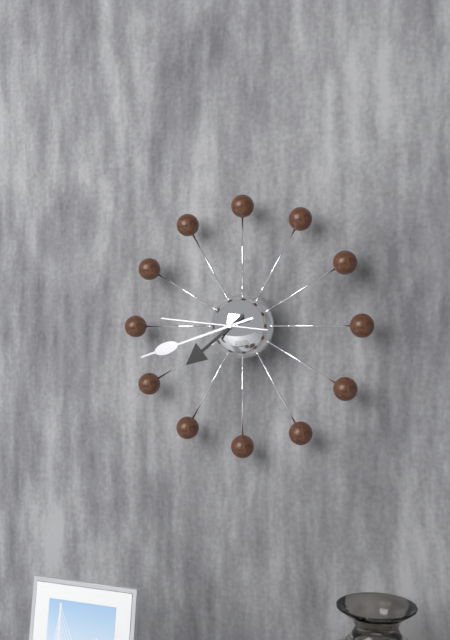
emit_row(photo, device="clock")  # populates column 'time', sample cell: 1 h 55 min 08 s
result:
7 h 42 min 46 s
